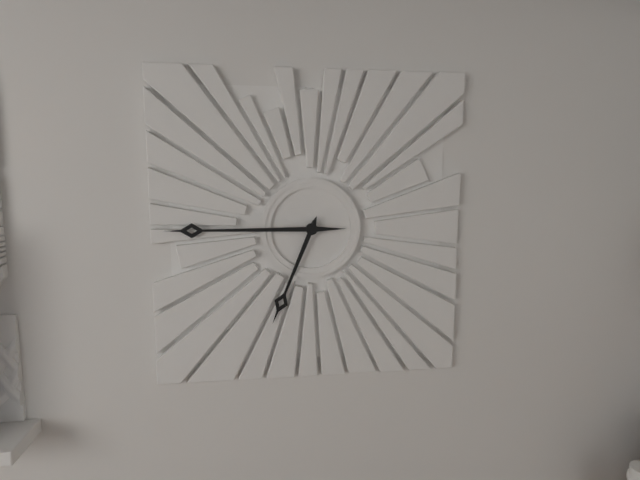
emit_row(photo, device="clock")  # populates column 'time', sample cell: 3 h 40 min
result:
6 h 45 min
